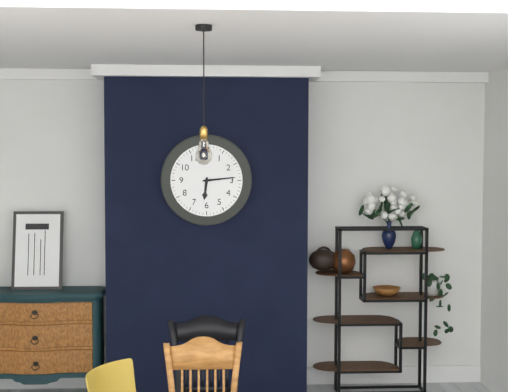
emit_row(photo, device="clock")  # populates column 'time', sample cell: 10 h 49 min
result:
6 h 14 min
